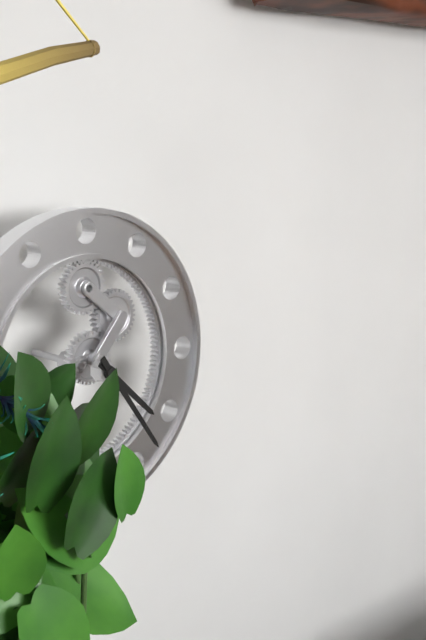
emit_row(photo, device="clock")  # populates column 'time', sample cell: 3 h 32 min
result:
4 h 24 min
